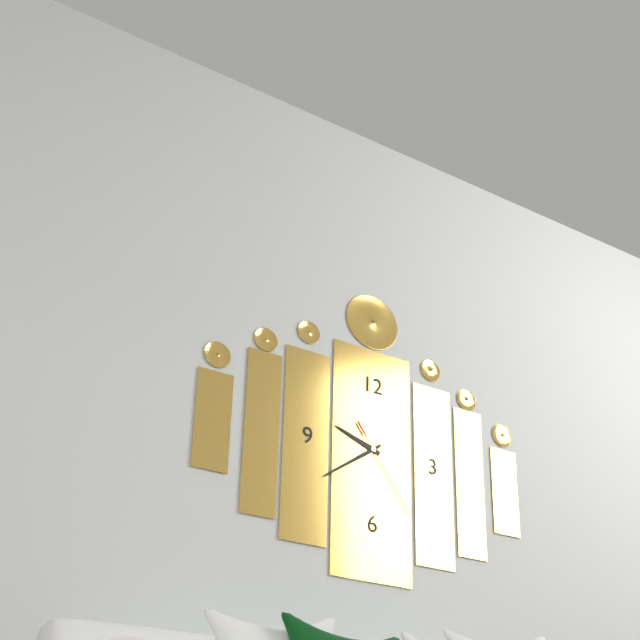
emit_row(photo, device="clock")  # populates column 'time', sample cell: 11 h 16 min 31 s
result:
9 h 39 min 24 s
